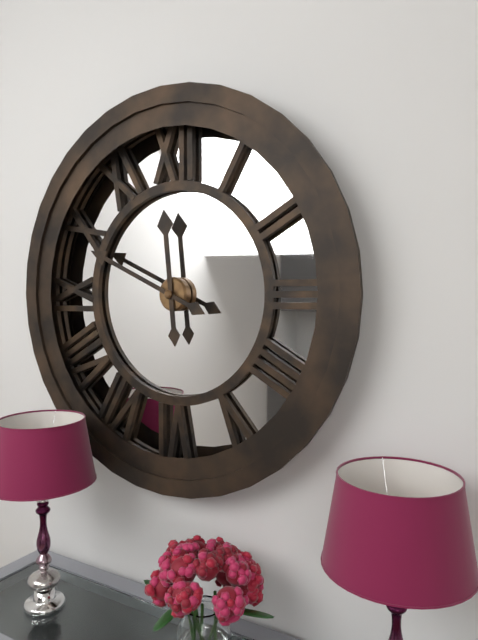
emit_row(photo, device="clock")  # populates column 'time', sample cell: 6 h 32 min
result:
11 h 49 min
